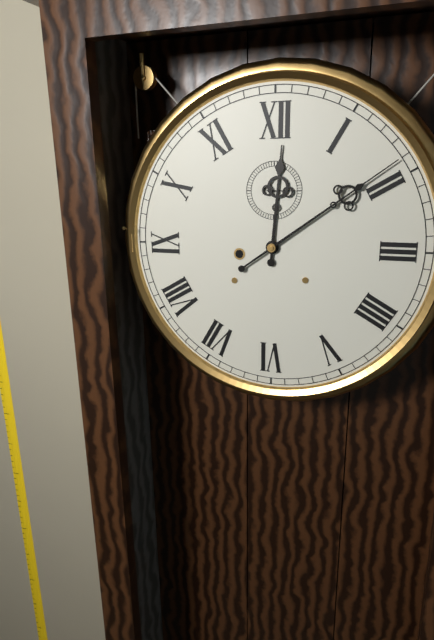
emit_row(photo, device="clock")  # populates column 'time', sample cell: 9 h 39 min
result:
12 h 09 min
